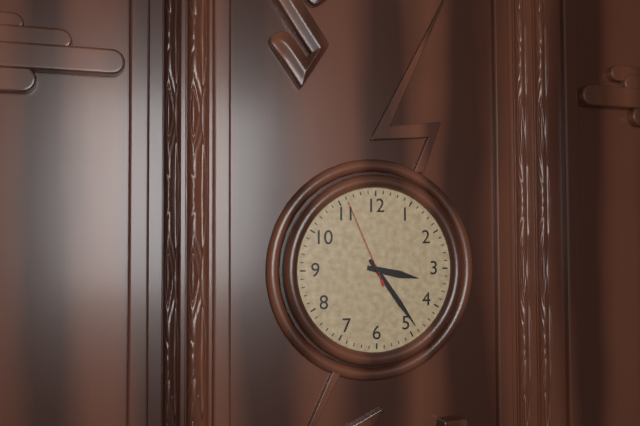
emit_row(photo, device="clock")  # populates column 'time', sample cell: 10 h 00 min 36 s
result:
3 h 24 min 56 s
